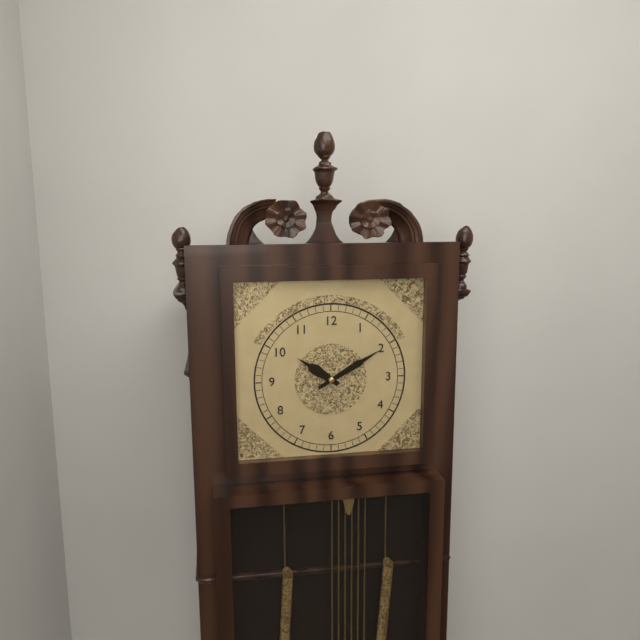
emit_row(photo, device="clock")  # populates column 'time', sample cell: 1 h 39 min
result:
10 h 10 min
